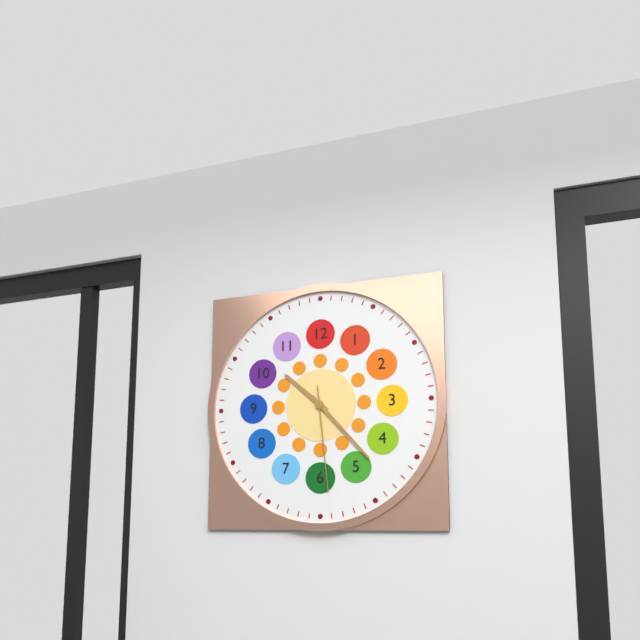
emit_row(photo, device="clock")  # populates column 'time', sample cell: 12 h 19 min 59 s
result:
10 h 23 min 29 s
